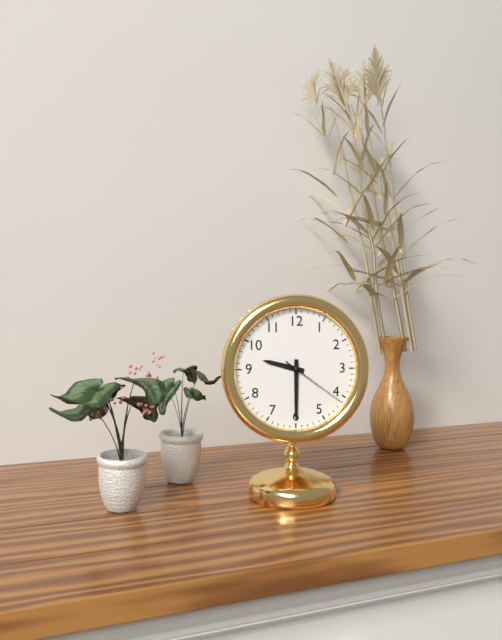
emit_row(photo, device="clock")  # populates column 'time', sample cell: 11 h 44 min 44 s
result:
9 h 30 min 21 s
